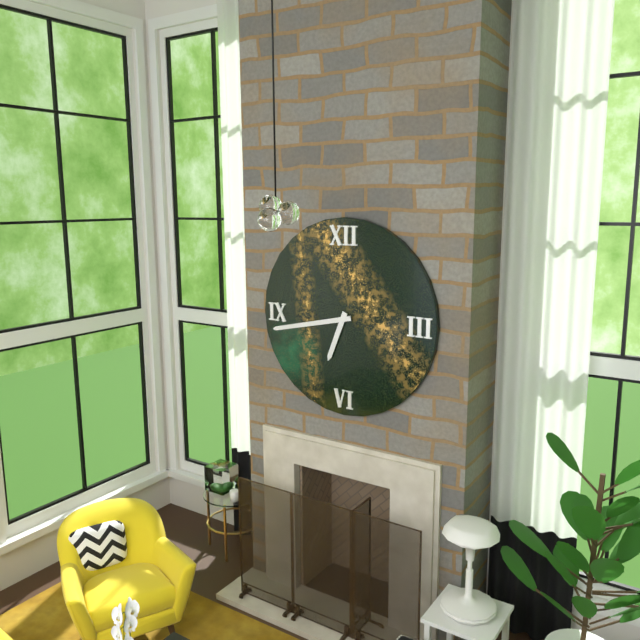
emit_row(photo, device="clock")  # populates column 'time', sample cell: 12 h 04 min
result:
6 h 43 min
